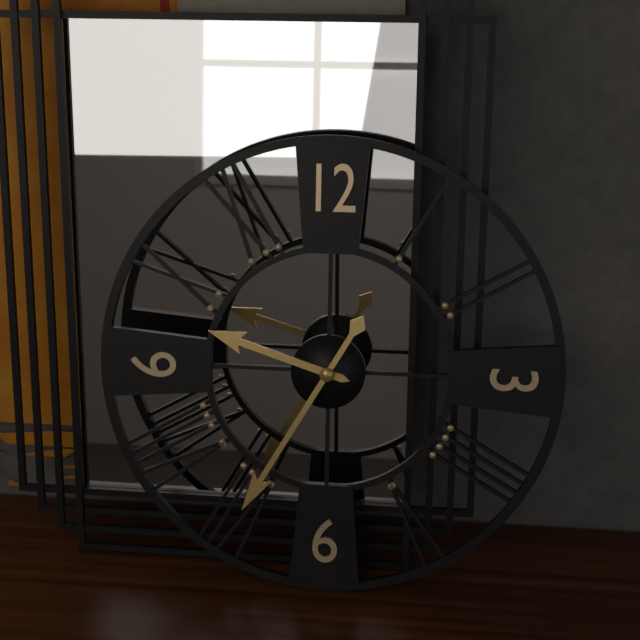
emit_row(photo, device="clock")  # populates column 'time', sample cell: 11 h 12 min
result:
9 h 35 min
